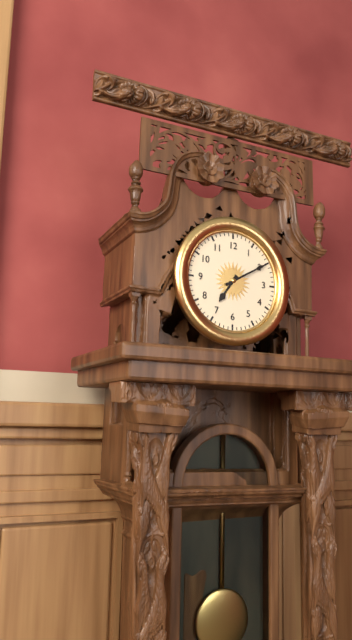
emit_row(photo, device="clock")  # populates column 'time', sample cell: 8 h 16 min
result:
7 h 10 min
